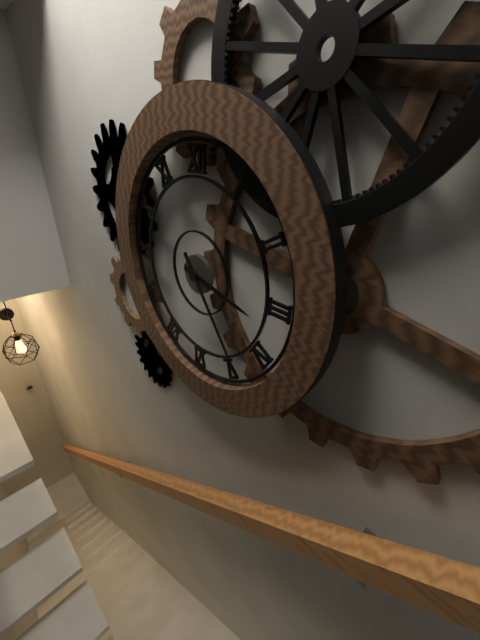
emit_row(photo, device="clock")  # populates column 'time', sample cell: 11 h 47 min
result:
3 h 24 min
